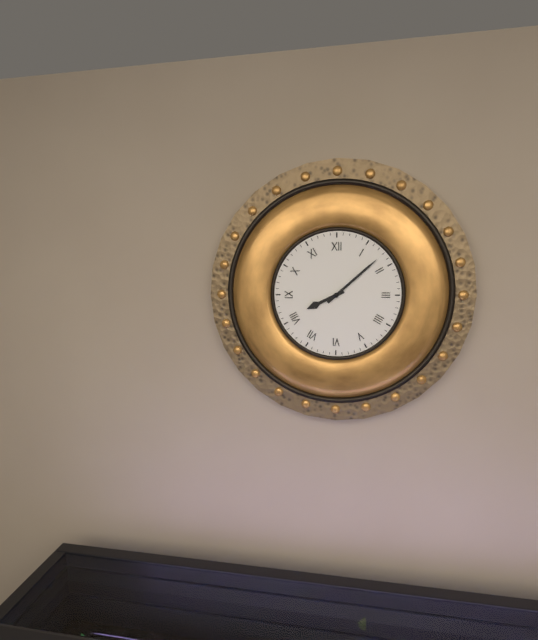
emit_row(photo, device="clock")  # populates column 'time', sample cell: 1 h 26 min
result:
8 h 08 min
